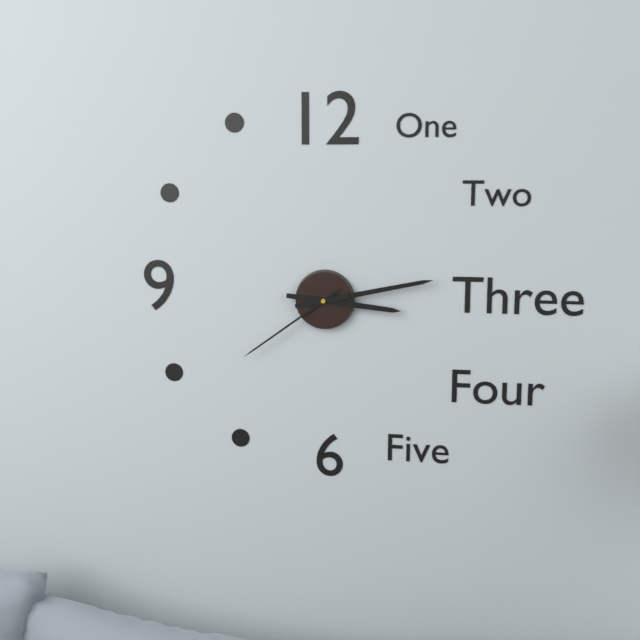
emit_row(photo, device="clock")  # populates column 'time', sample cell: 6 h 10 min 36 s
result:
3 h 13 min 39 s
